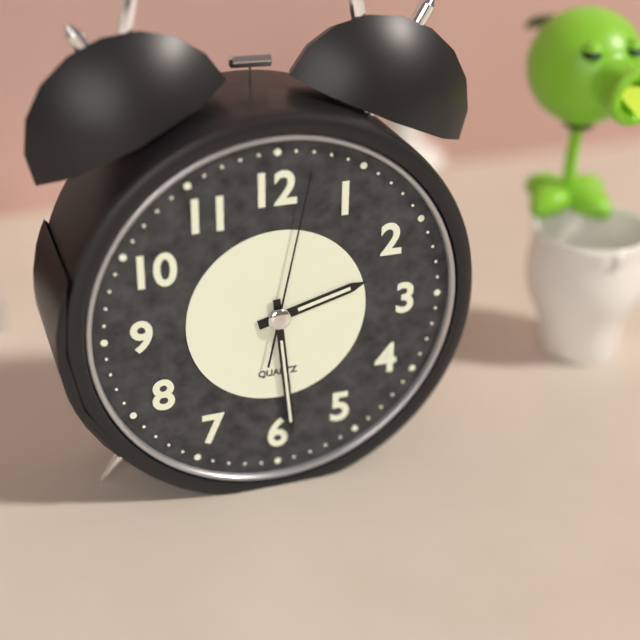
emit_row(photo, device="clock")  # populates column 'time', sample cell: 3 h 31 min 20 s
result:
2 h 29 min 02 s
